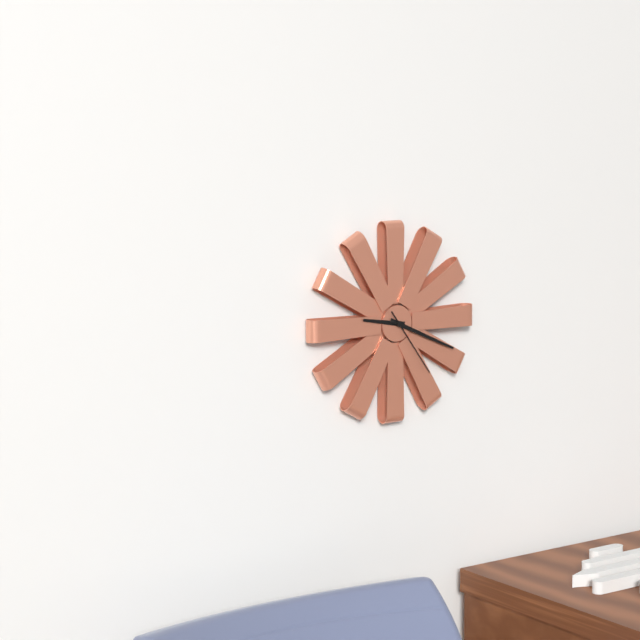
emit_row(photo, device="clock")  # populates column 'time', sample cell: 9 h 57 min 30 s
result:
9 h 19 min 24 s
